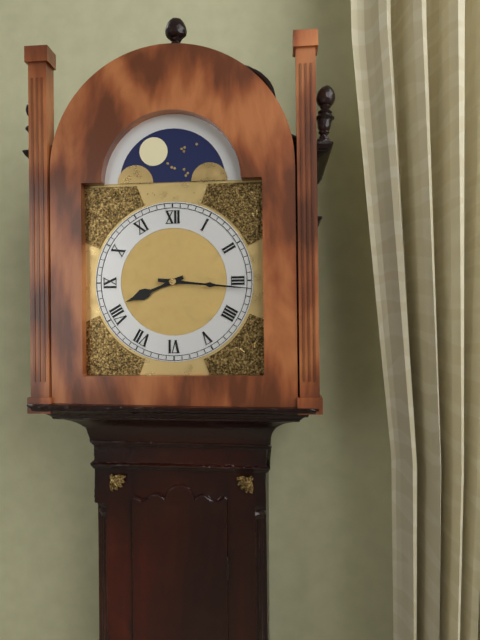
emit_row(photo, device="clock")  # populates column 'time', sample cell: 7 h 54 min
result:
8 h 16 min
